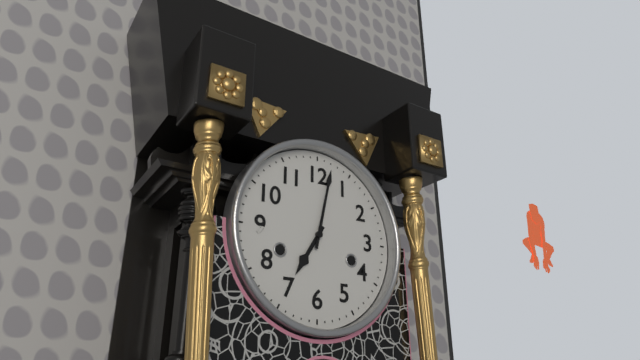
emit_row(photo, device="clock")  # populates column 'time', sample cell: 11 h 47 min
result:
7 h 02 min
